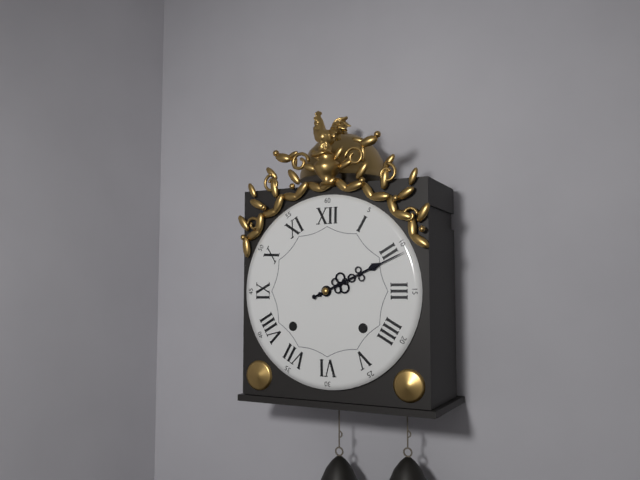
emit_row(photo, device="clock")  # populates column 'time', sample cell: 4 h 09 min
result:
2 h 11 min
